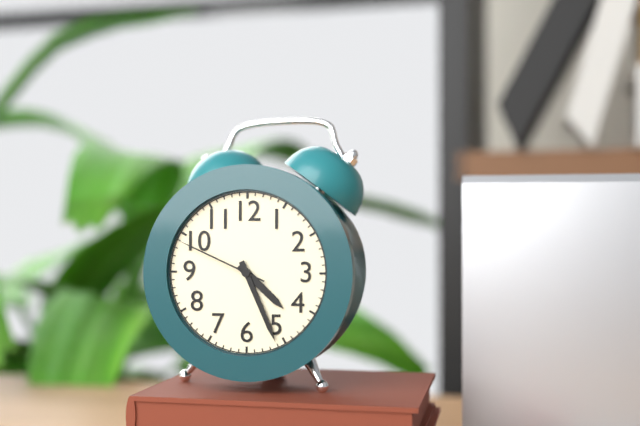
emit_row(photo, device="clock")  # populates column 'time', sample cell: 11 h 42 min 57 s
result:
4 h 26 min 49 s
